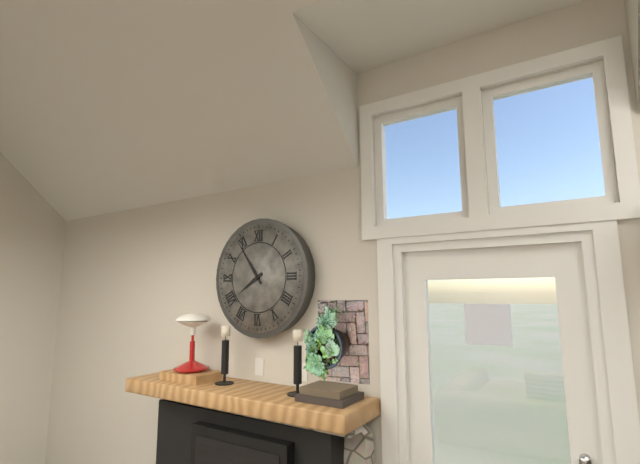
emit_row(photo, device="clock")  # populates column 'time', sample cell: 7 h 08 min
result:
7 h 54 min
